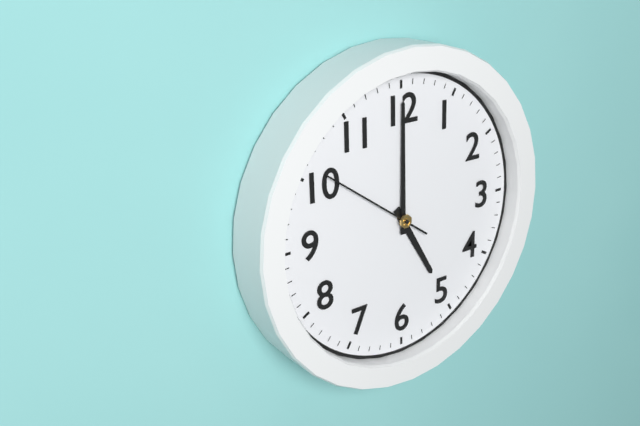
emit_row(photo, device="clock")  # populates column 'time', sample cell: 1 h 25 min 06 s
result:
5 h 00 min 51 s
